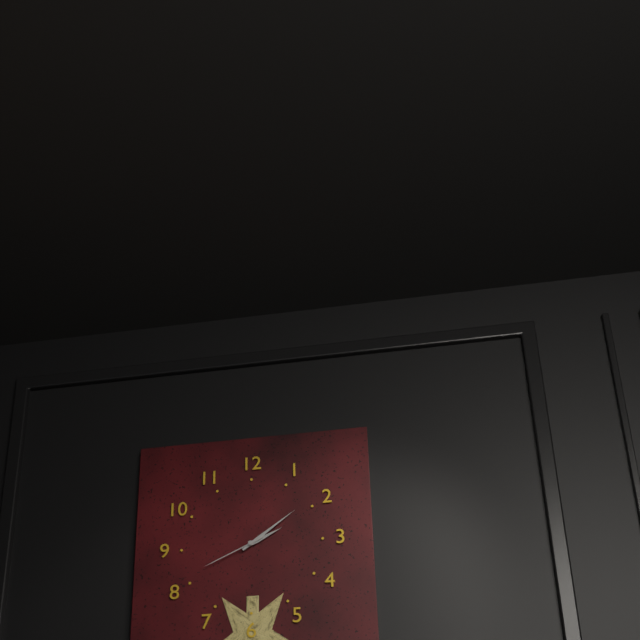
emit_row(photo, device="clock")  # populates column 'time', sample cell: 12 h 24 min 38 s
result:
2 h 09 min 41 s
